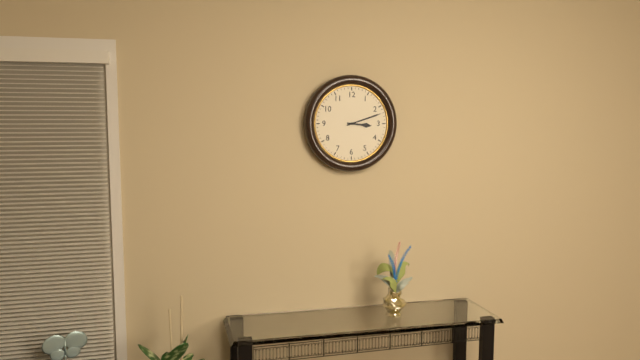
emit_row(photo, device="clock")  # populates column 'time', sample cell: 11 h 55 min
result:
3 h 12 min
